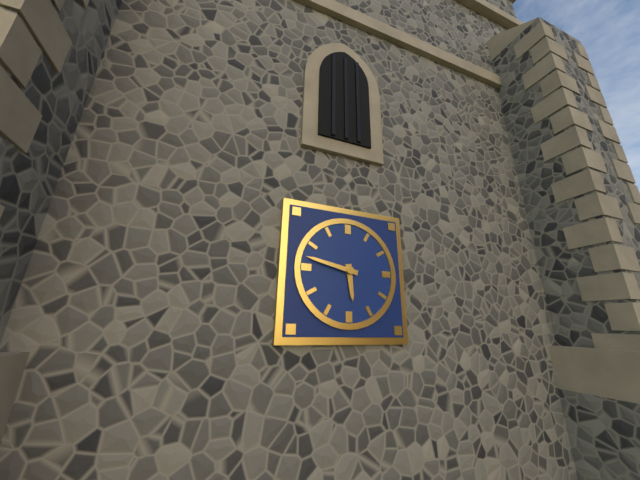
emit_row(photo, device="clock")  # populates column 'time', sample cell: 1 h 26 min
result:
5 h 47 min
